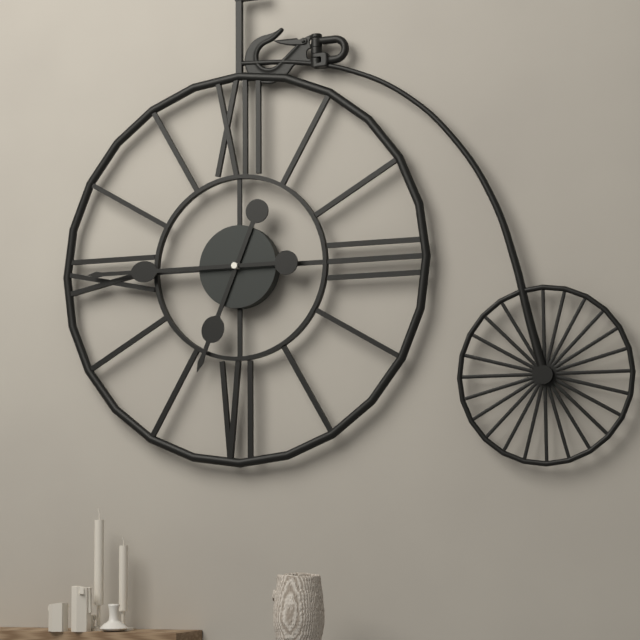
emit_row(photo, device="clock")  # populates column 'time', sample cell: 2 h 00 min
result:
6 h 45 min
